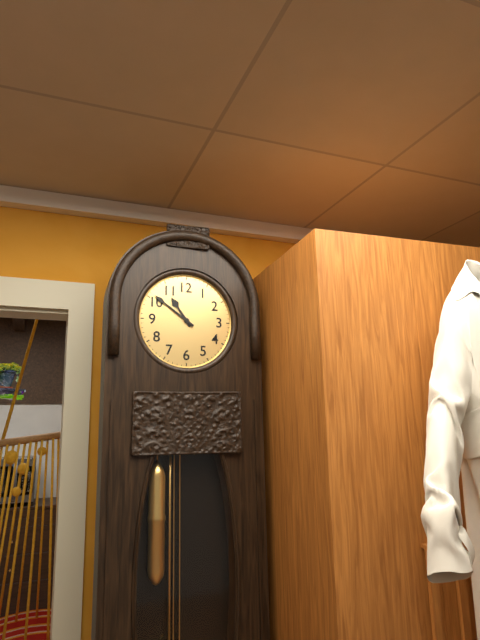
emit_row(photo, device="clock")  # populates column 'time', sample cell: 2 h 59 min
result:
10 h 51 min
